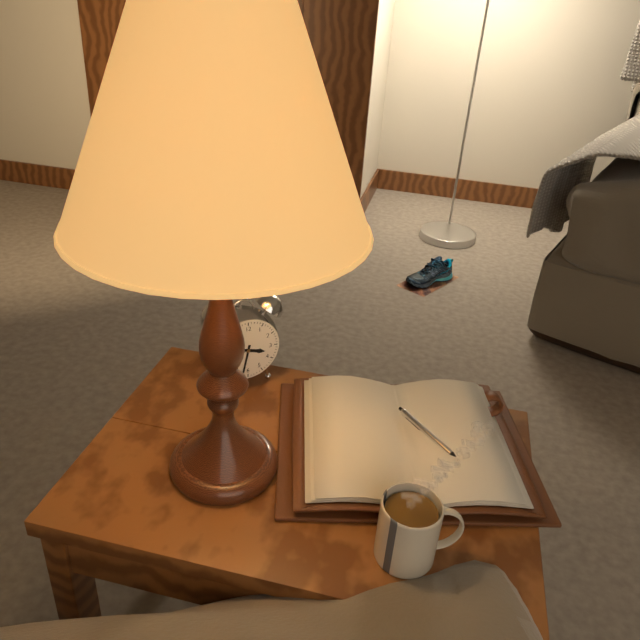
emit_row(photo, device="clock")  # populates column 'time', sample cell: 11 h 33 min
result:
3 h 32 min
